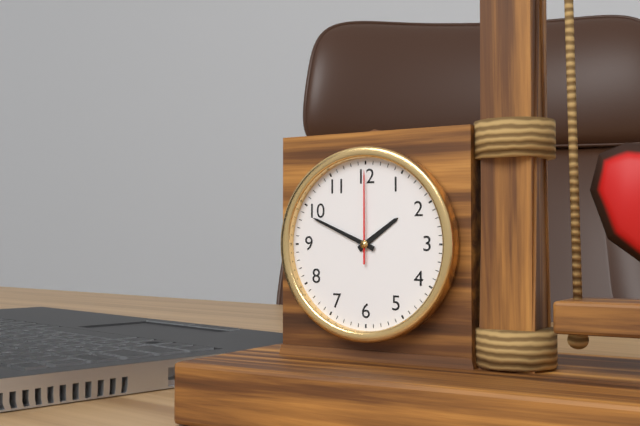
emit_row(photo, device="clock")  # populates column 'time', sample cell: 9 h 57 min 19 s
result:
1 h 49 min 00 s
